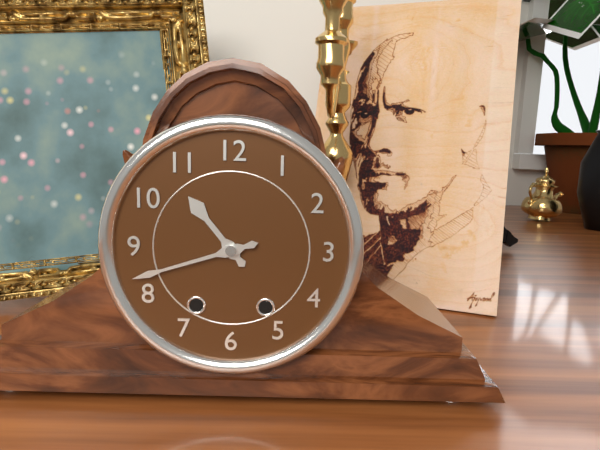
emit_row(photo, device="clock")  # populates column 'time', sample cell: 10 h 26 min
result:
10 h 42 min
